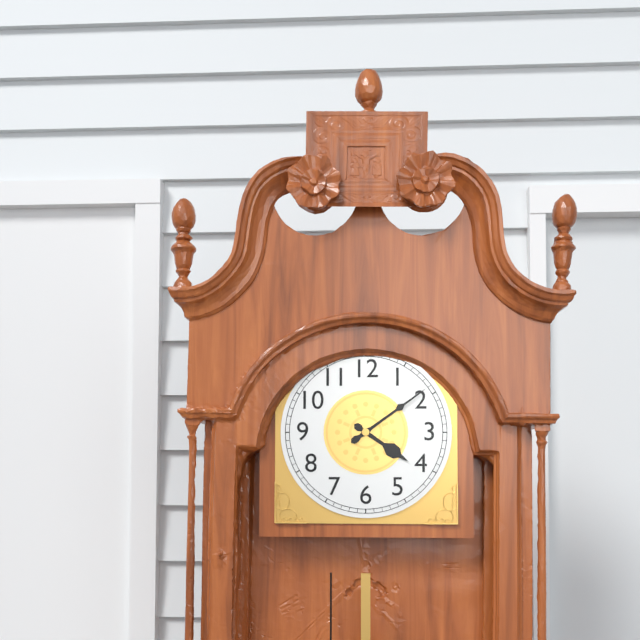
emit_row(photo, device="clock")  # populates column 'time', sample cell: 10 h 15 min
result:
4 h 09 min
